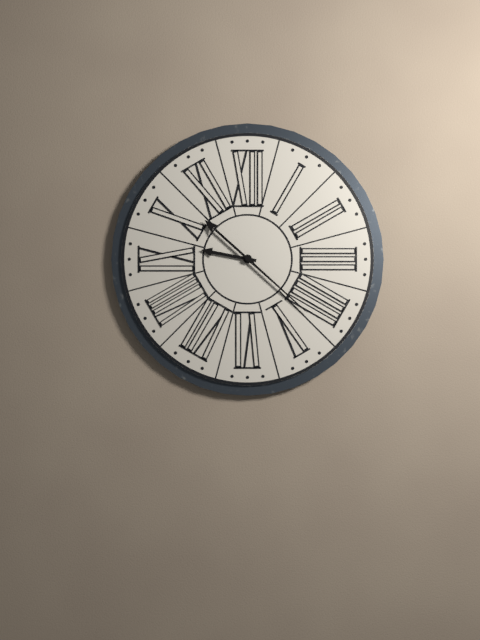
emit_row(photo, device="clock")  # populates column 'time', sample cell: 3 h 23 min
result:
9 h 22 min
